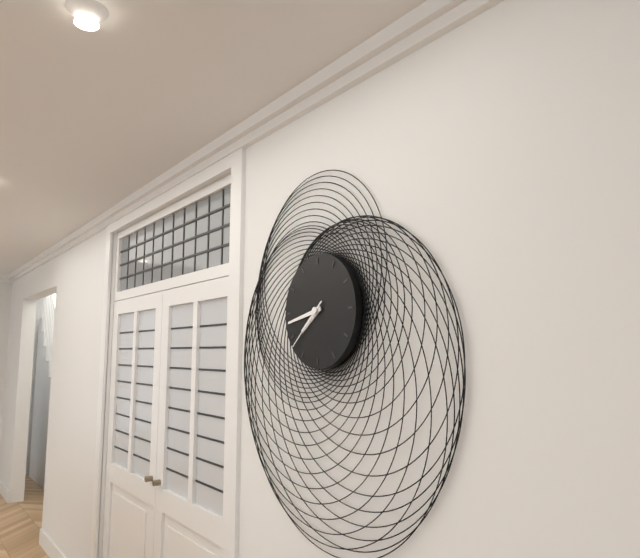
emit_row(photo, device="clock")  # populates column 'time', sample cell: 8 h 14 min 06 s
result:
7 h 43 min 38 s
